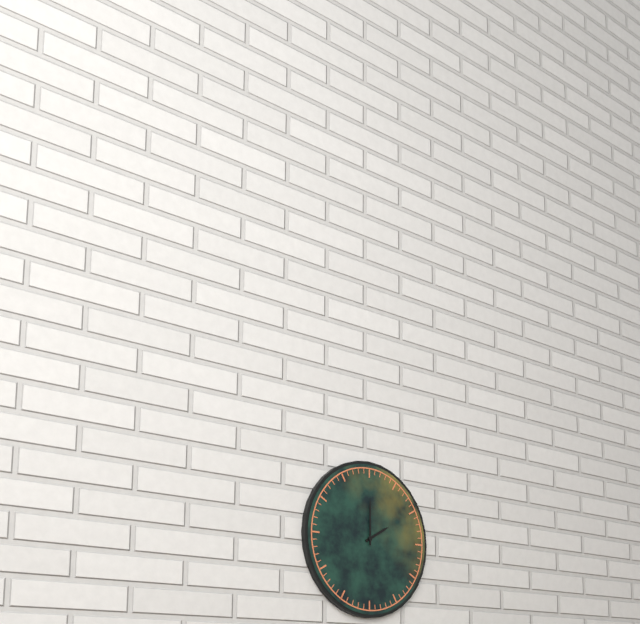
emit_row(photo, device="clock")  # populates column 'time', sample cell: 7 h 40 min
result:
2 h 00 min
